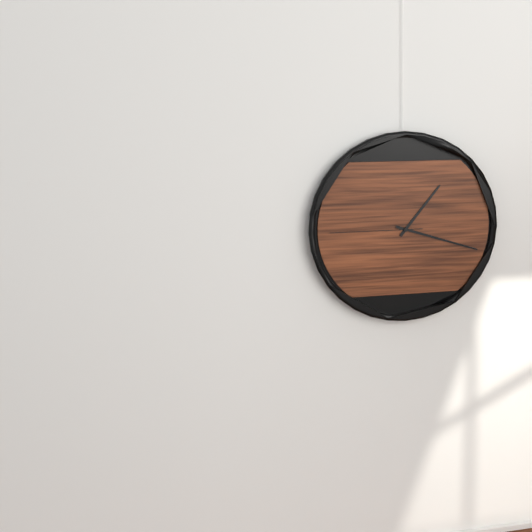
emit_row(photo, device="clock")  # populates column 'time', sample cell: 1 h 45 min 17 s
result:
1 h 18 min 45 s
